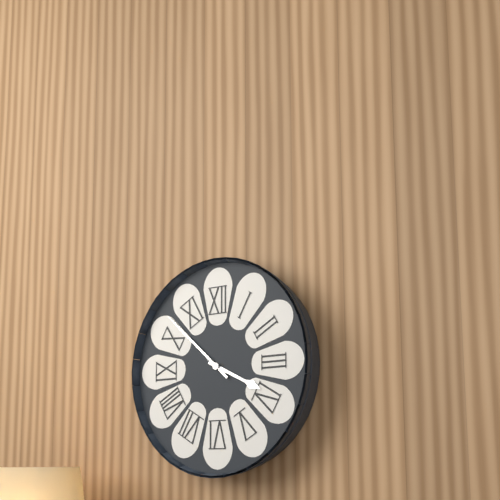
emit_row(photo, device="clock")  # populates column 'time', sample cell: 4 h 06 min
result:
3 h 52 min
